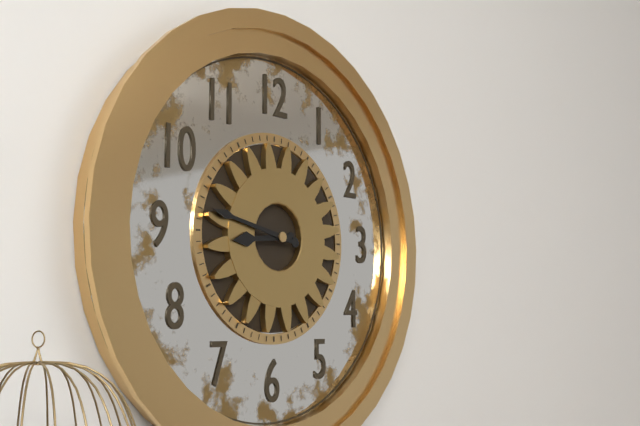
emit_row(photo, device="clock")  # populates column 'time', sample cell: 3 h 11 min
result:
8 h 47 min
